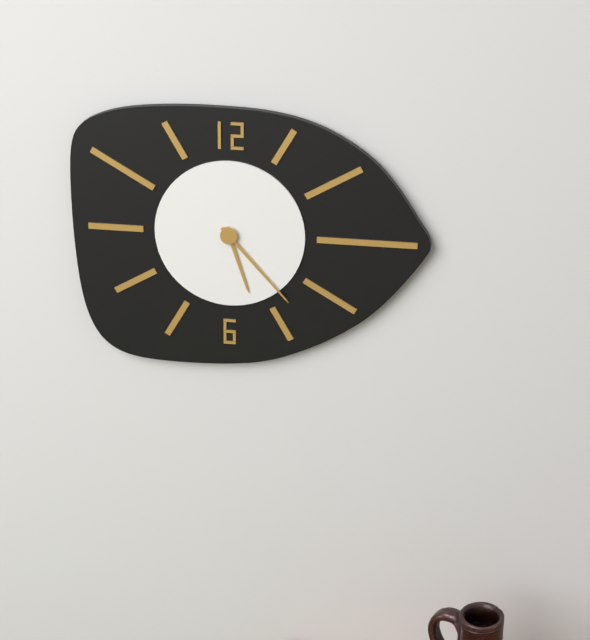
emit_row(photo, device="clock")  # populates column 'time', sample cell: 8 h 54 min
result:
5 h 23 min
